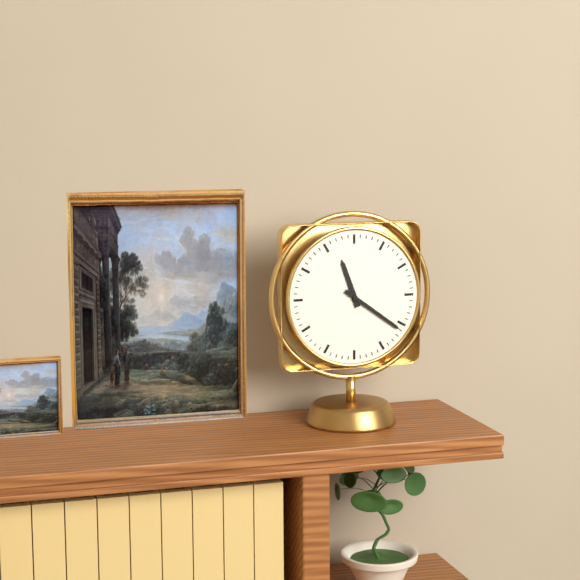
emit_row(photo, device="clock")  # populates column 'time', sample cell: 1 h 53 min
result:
11 h 21 min
